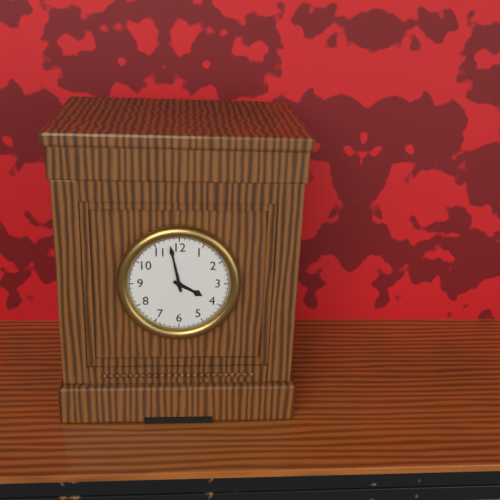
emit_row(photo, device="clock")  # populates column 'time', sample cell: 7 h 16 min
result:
3 h 58 min
